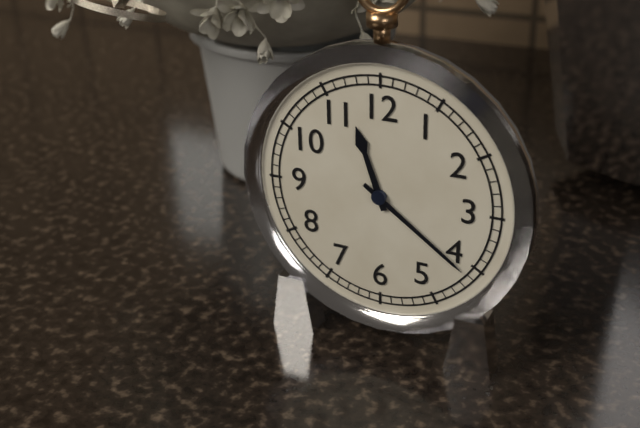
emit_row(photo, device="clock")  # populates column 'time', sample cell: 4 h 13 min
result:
11 h 21 min
